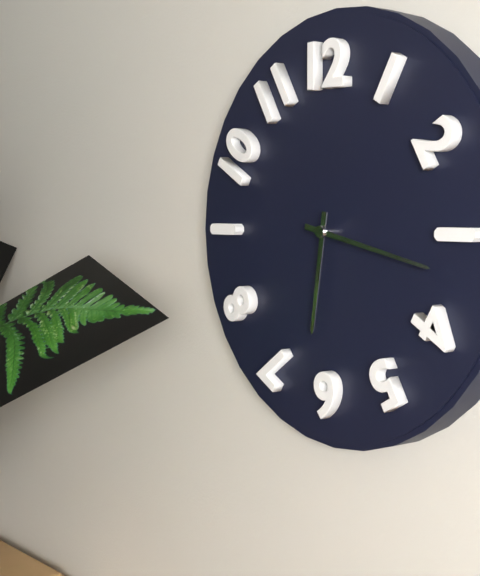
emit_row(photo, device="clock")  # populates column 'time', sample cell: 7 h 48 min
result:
6 h 17 min
